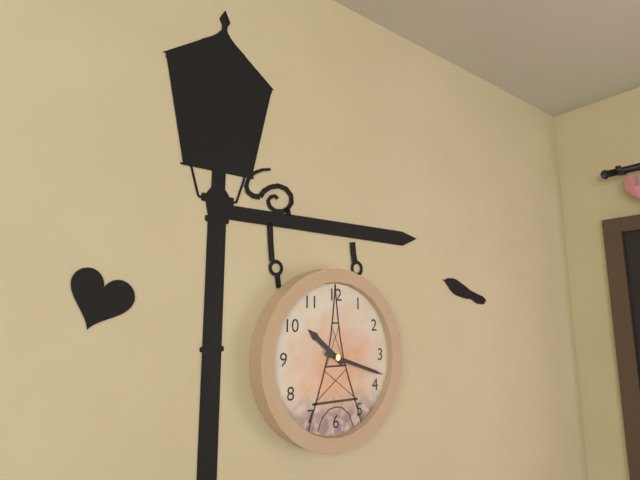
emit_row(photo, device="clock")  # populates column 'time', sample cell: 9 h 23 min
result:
10 h 18 min
